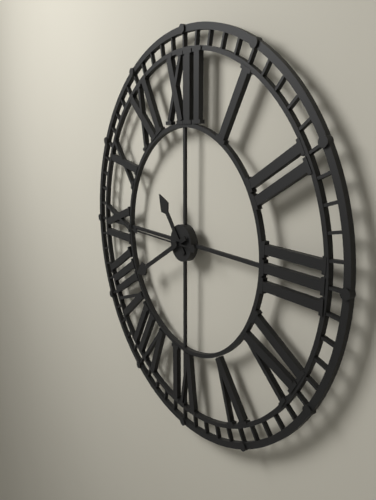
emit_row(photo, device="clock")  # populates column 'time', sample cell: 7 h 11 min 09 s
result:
10 h 40 min 45 s
